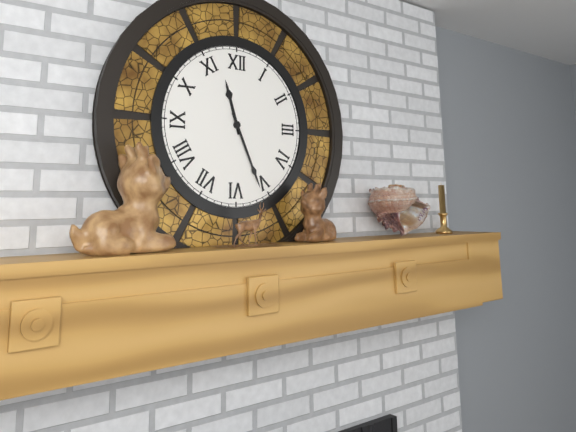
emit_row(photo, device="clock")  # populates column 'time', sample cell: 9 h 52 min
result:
11 h 26 min
